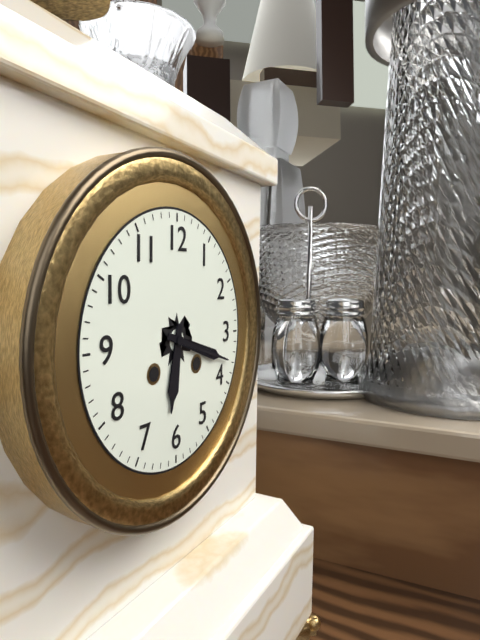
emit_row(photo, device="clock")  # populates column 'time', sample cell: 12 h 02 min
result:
6 h 18 min
